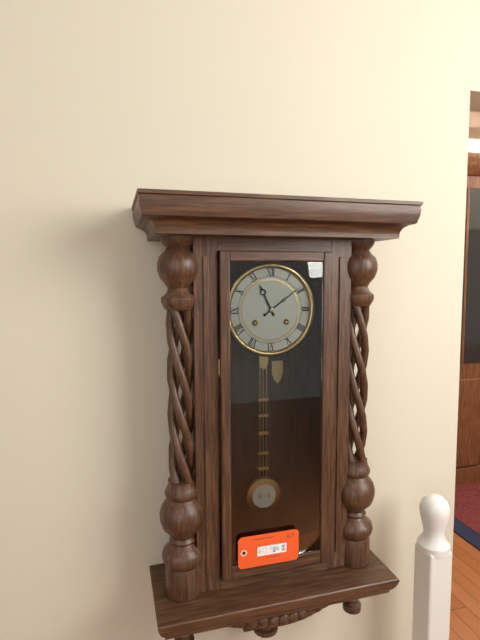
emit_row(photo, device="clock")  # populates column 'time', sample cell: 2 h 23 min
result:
11 h 09 min
